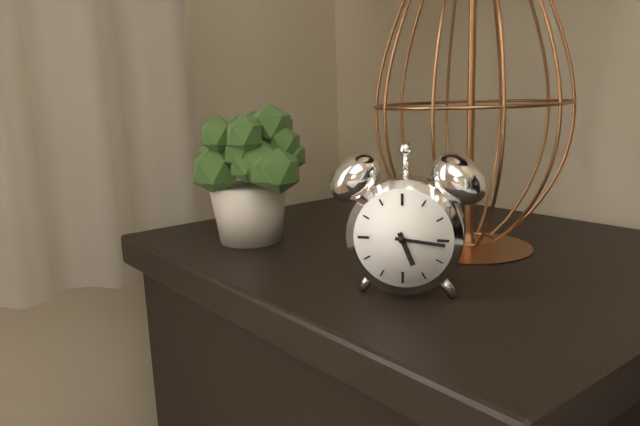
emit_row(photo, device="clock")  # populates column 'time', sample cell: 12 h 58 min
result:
5 h 16 min
